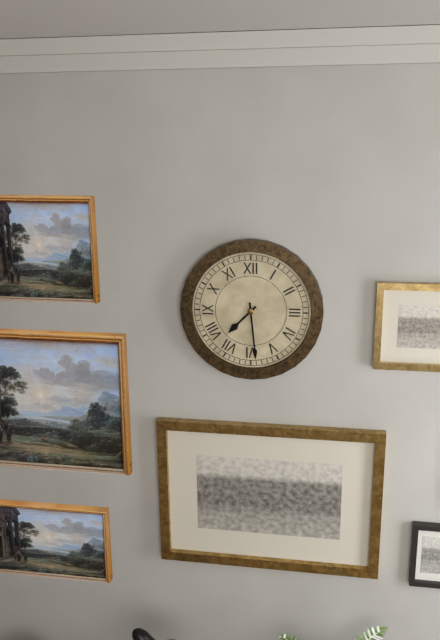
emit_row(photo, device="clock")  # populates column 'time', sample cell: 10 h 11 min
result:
7 h 29 min
